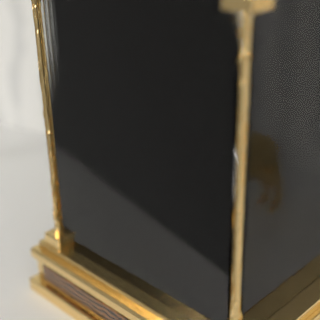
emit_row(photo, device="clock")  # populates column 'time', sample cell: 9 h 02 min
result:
6 h 19 min
